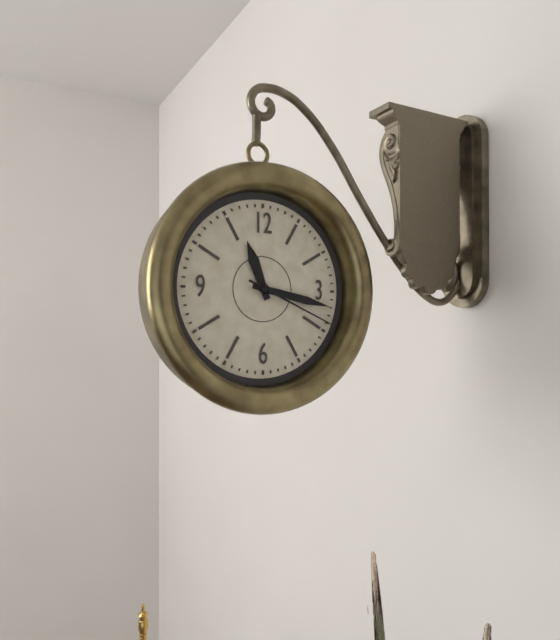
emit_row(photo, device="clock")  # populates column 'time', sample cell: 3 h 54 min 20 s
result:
11 h 17 min 19 s
